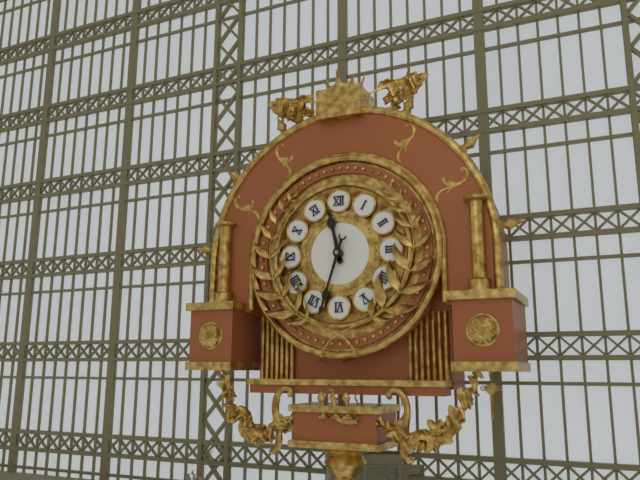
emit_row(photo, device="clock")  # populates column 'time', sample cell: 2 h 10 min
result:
11 h 33 min
